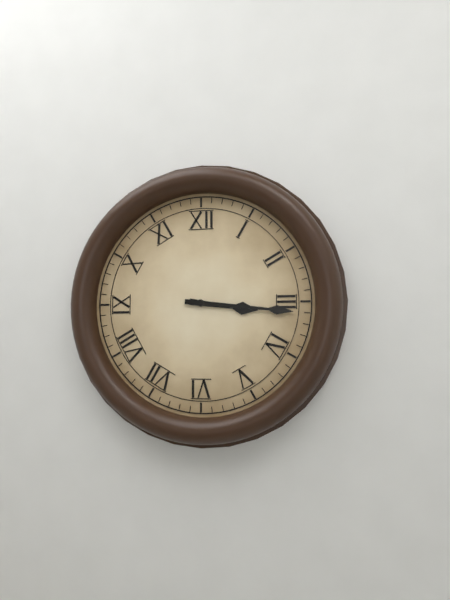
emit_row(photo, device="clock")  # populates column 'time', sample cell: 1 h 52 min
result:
3 h 16 min
